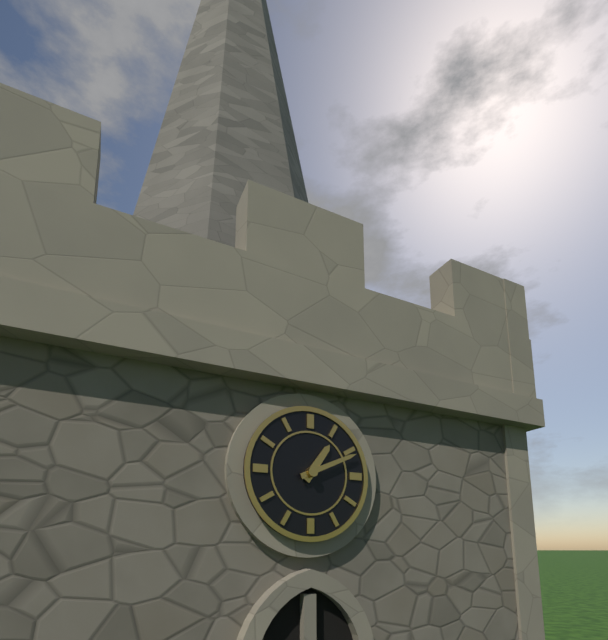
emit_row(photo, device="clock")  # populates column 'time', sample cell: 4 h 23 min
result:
1 h 11 min
